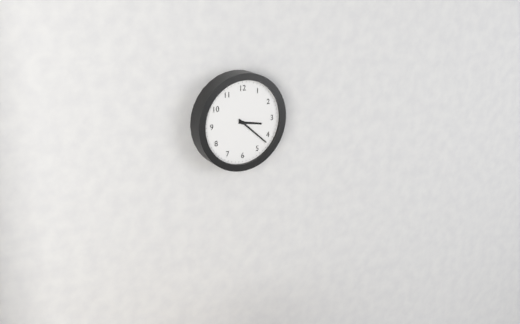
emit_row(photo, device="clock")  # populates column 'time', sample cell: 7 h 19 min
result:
3 h 22 min
